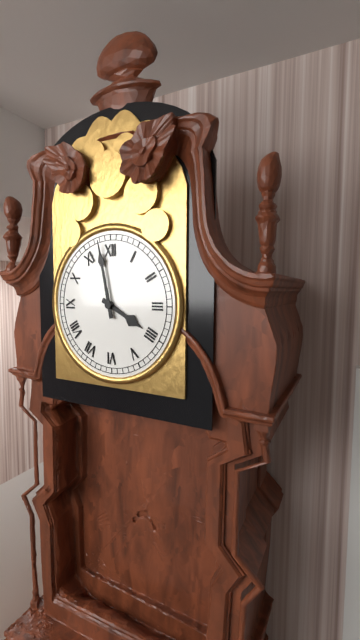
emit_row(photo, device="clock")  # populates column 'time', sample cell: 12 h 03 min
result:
3 h 58 min
